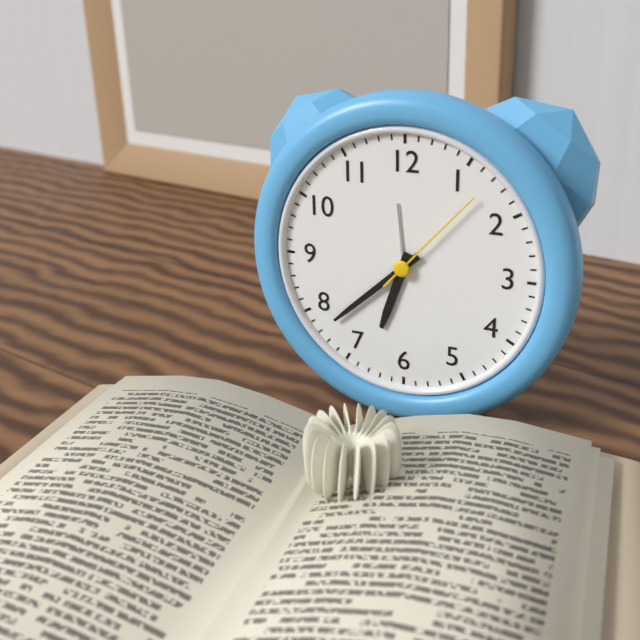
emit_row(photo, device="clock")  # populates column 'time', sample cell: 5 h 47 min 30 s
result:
6 h 38 min 07 s
